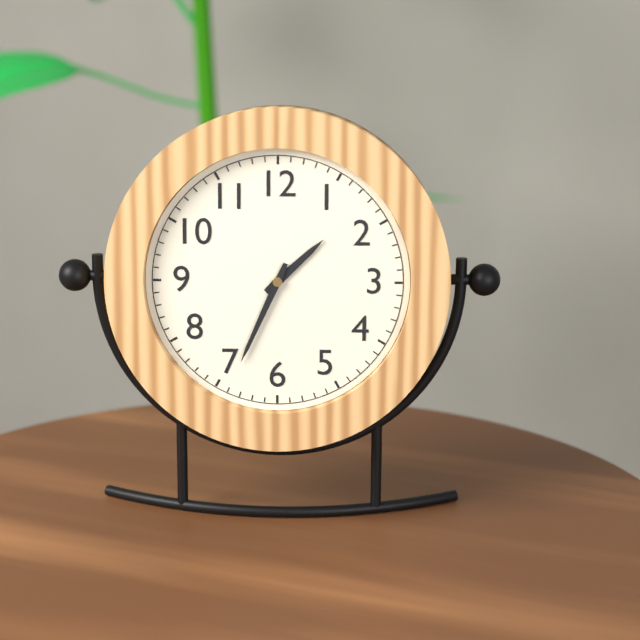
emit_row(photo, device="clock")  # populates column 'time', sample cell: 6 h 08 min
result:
1 h 34 min
